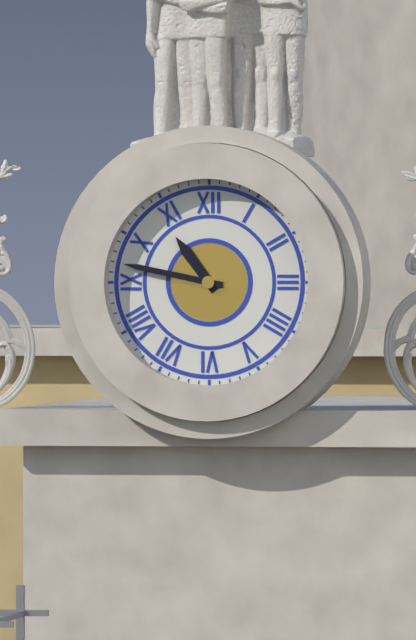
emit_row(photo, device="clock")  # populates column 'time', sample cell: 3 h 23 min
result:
10 h 47 min
